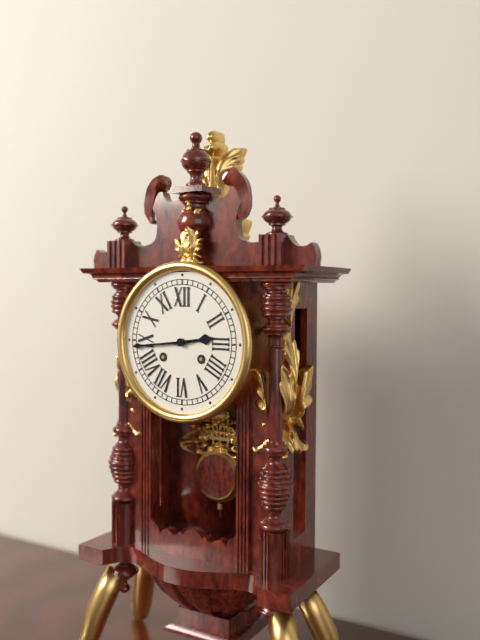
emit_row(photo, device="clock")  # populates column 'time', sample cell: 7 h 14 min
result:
2 h 44 min
